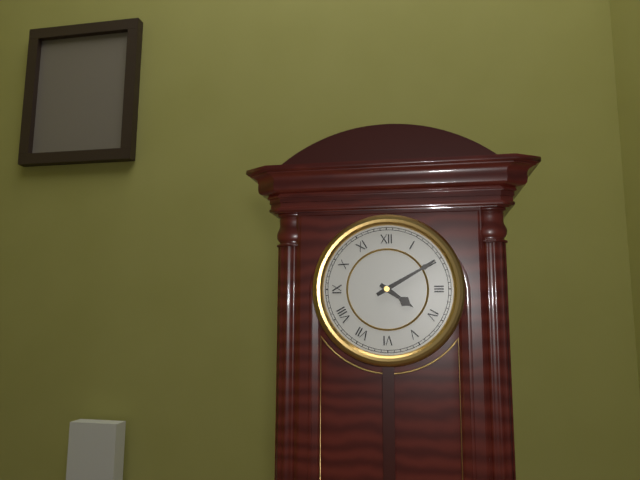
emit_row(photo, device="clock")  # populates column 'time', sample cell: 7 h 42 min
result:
4 h 10 min
